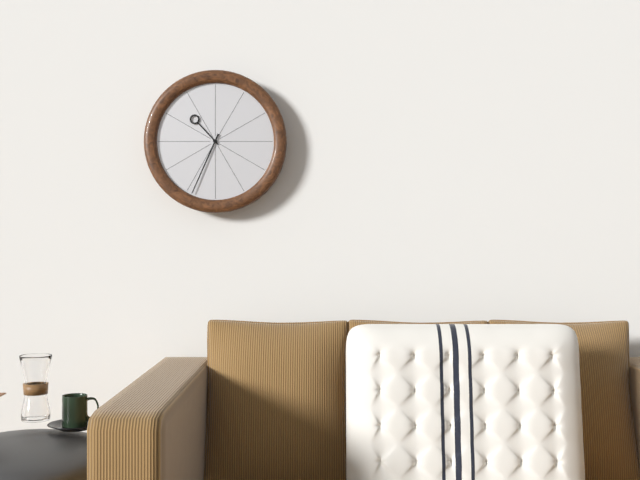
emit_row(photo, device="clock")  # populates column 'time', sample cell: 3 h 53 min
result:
10 h 34 min
